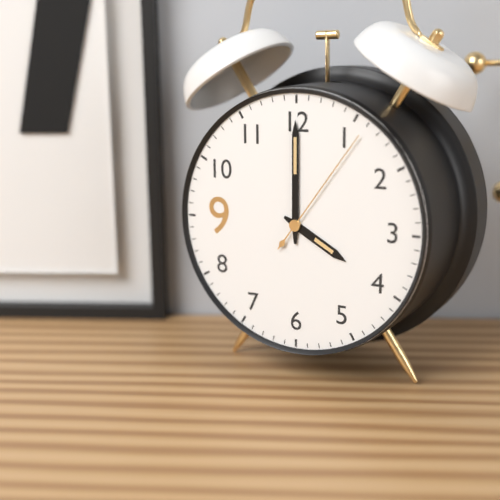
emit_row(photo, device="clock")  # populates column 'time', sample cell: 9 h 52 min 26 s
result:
4 h 00 min 06 s
